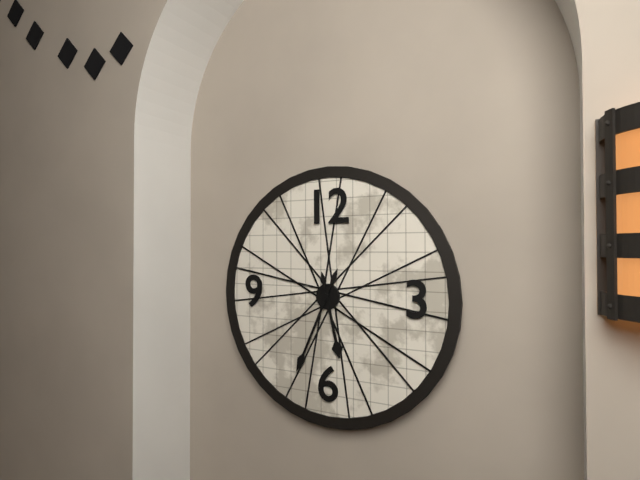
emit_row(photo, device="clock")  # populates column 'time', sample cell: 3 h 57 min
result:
5 h 34 min
